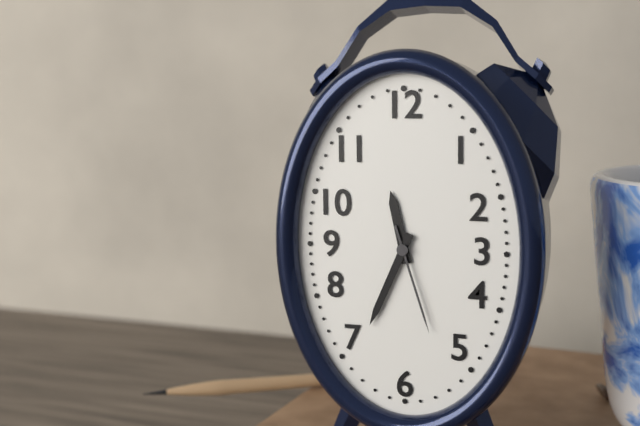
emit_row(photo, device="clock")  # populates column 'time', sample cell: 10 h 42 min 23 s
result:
11 h 34 min 27 s
